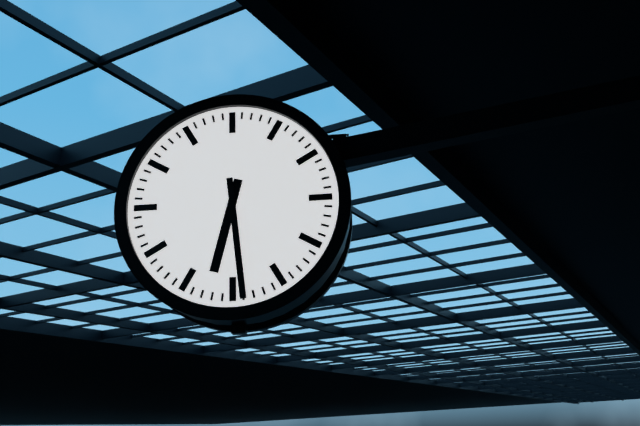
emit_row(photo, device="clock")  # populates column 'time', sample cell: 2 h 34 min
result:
6 h 29 min
